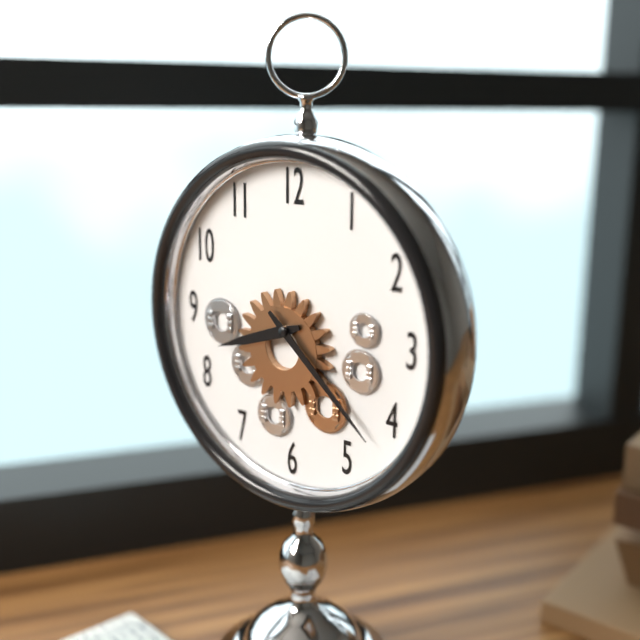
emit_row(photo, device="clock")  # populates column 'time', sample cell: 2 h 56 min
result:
8 h 22 min
